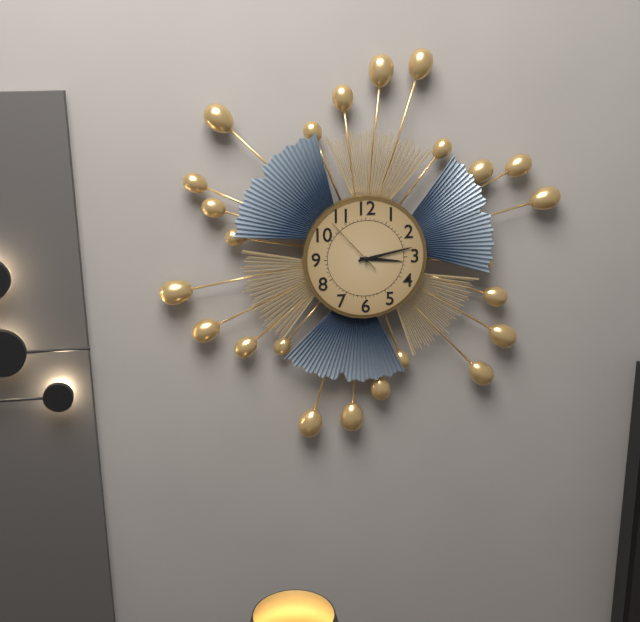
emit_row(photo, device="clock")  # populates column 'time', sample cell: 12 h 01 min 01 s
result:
3 h 13 min 53 s
